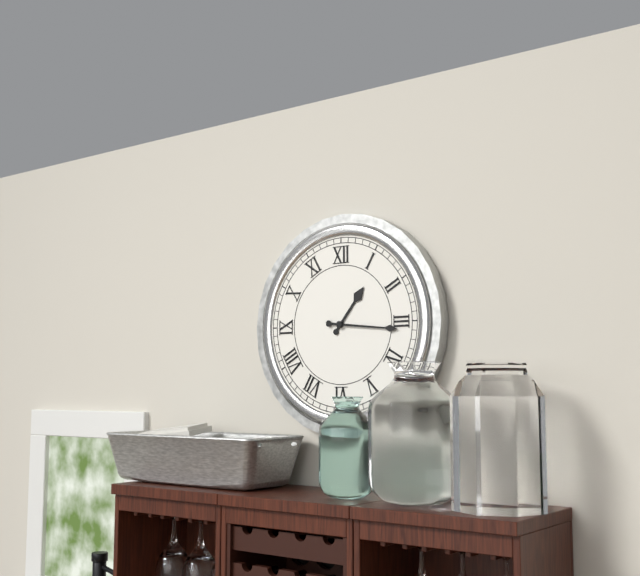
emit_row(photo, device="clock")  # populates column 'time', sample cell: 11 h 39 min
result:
1 h 16 min
